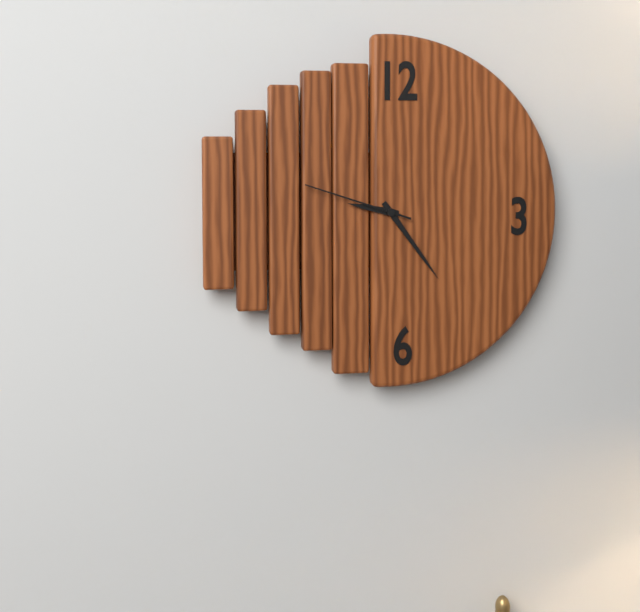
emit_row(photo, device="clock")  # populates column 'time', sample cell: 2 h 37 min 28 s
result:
9 h 24 min 48 s
